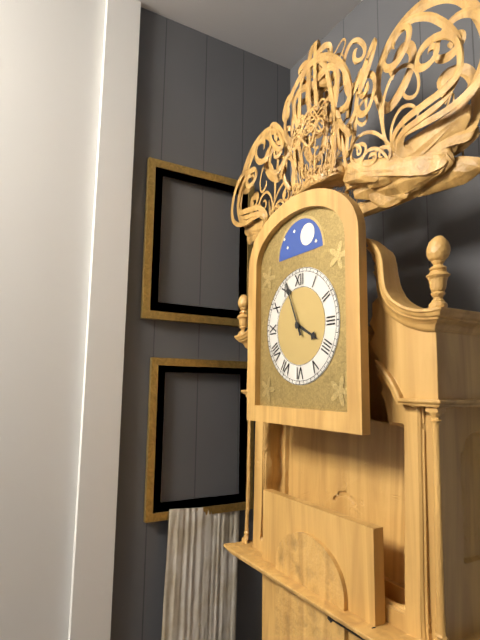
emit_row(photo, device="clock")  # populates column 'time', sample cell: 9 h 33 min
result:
3 h 56 min
